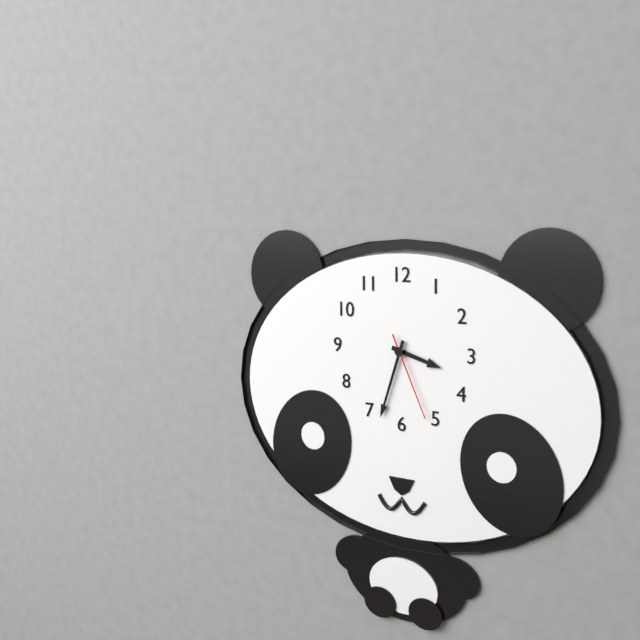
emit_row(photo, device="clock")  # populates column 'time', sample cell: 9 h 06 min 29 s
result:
3 h 33 min 26 s
